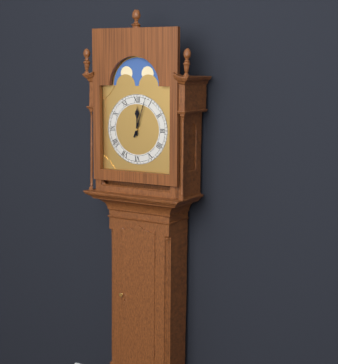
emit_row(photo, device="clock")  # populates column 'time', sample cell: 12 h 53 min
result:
12 h 03 min
